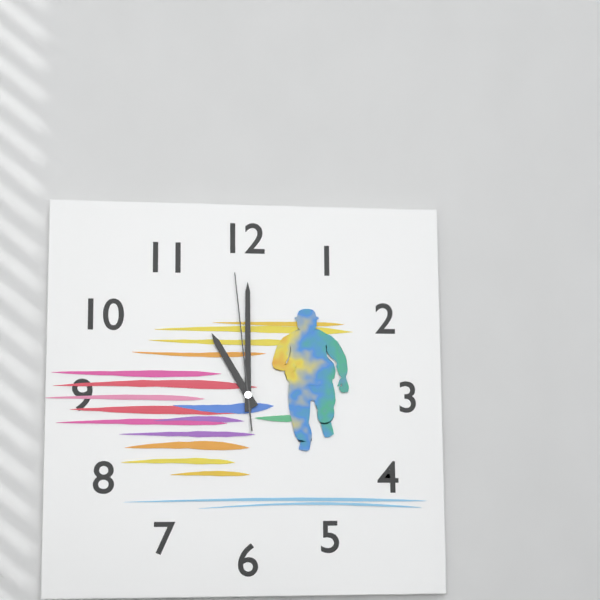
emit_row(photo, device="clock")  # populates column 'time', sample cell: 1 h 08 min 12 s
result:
11 h 00 min 59 s
